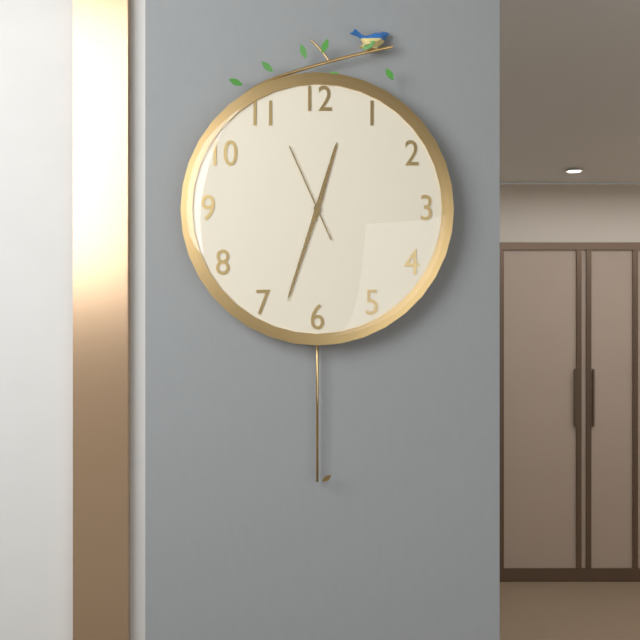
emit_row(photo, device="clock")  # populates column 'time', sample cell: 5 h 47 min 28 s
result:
12 h 33 min 56 s
